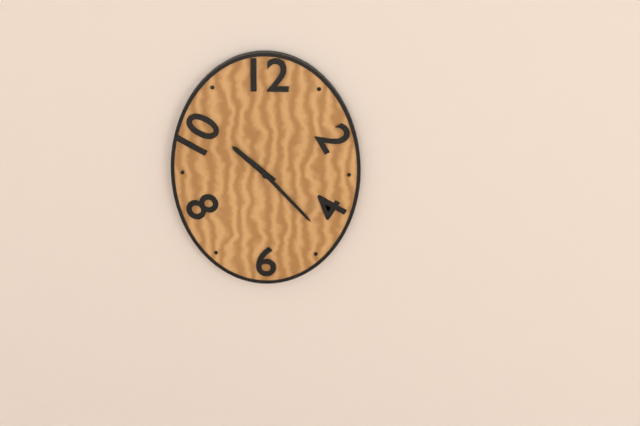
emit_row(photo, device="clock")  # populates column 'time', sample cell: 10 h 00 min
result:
10 h 23 min
